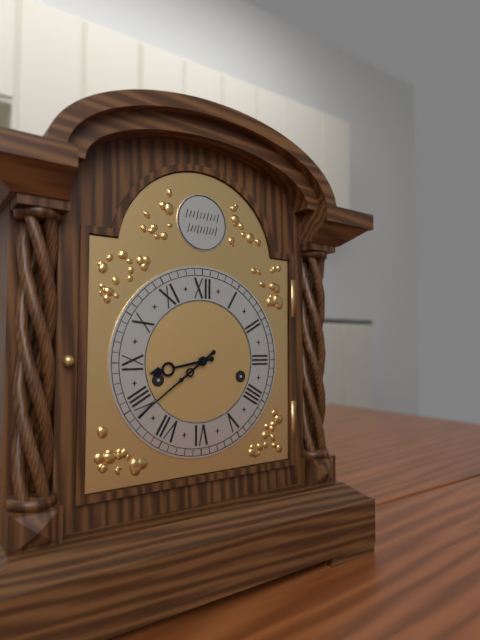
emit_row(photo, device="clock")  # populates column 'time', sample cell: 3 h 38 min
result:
8 h 39 min
